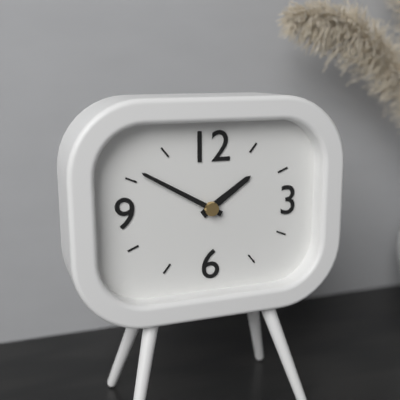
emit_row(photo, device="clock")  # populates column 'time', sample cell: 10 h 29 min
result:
1 h 50 min
